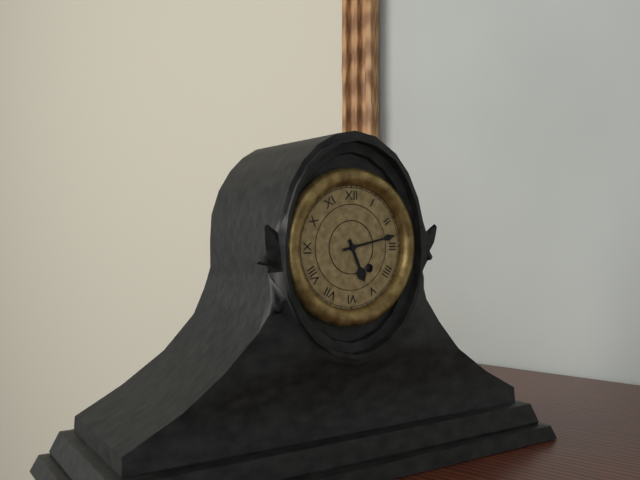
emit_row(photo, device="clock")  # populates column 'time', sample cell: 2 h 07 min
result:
5 h 13 min
